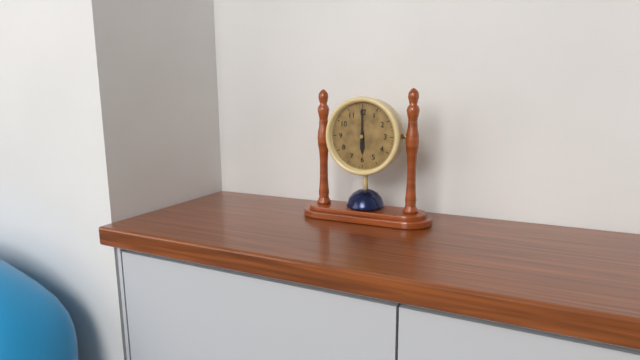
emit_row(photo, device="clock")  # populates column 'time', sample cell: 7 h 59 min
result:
6 h 00 min
